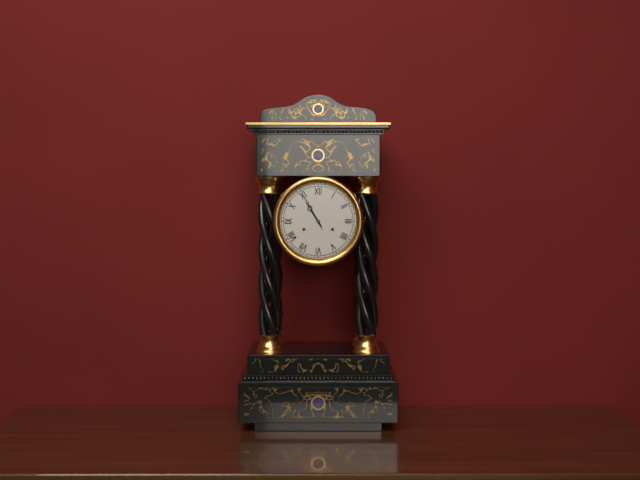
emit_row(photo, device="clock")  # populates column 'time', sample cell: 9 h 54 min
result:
10 h 55 min
